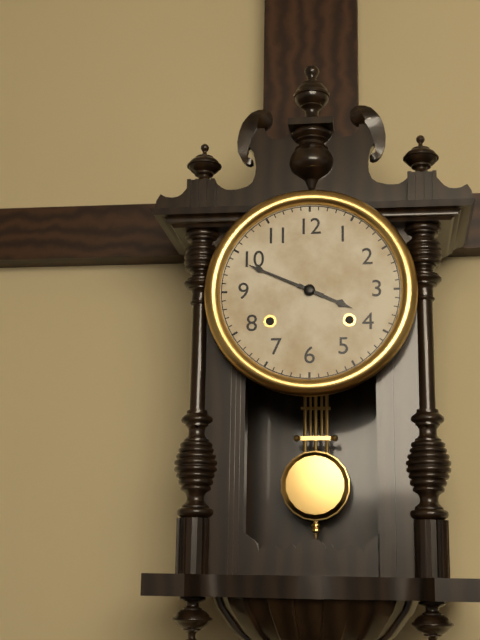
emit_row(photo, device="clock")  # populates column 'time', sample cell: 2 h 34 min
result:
3 h 49 min
